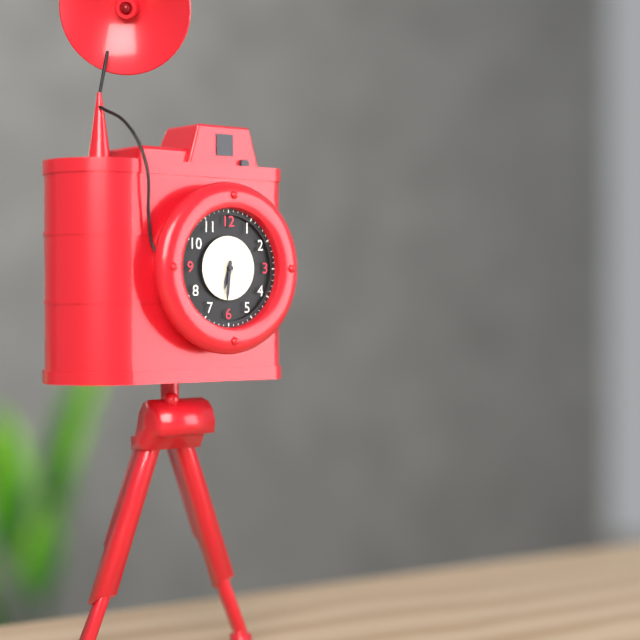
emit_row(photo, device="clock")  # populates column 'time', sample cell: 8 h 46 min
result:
6 h 31 min
